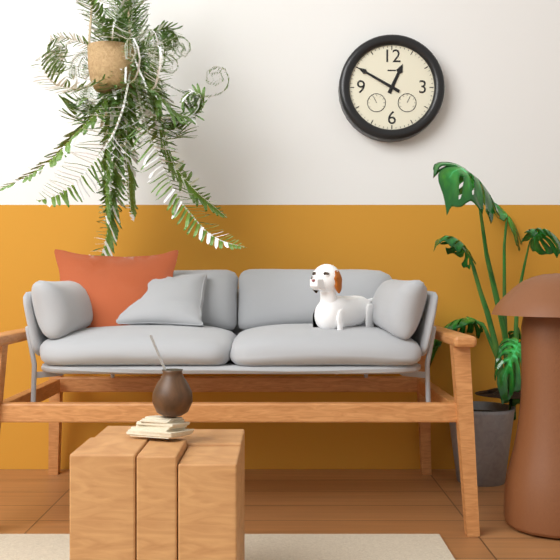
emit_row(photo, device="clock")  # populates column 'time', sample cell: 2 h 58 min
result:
12 h 50 min
